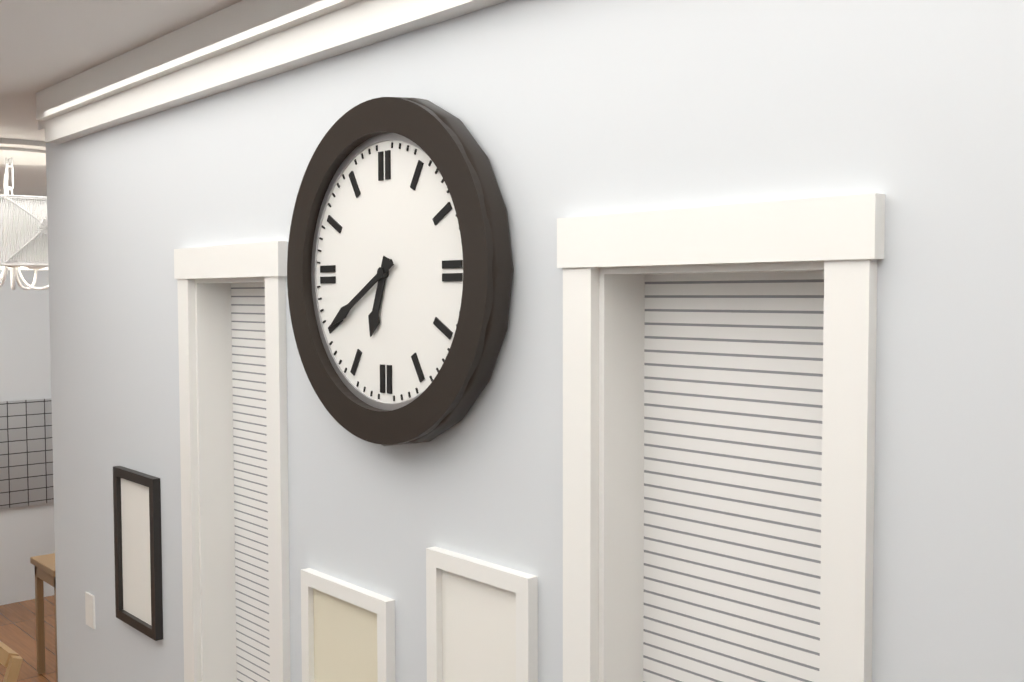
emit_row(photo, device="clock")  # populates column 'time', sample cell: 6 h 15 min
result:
6 h 40 min
